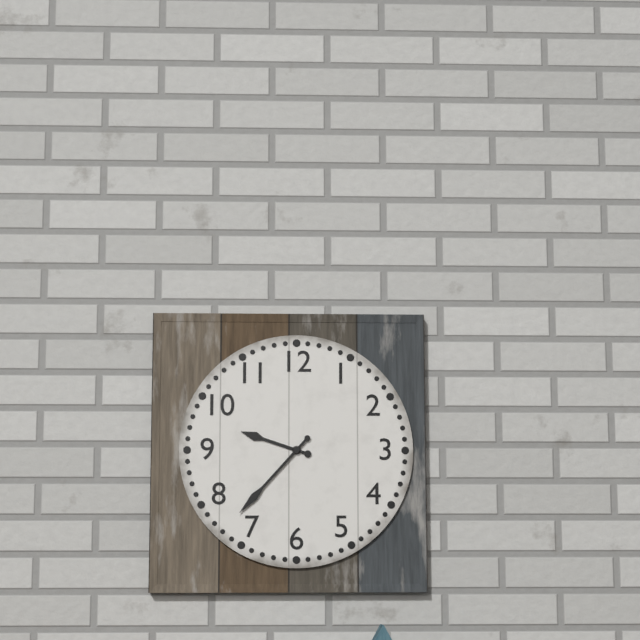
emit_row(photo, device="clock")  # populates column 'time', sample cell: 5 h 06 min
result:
9 h 37 min
